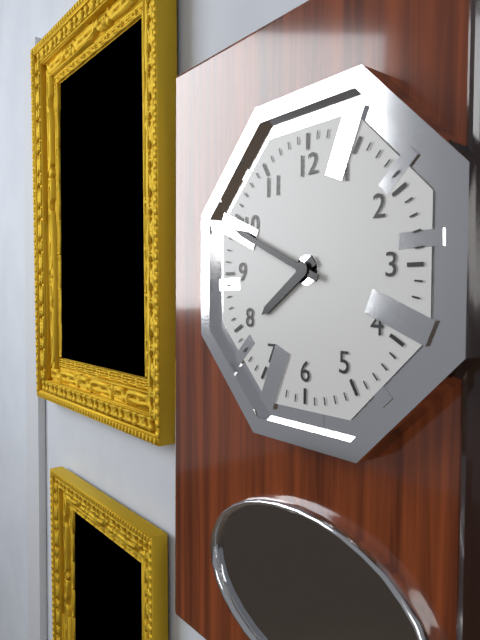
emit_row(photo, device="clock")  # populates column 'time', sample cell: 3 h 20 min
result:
7 h 49 min
